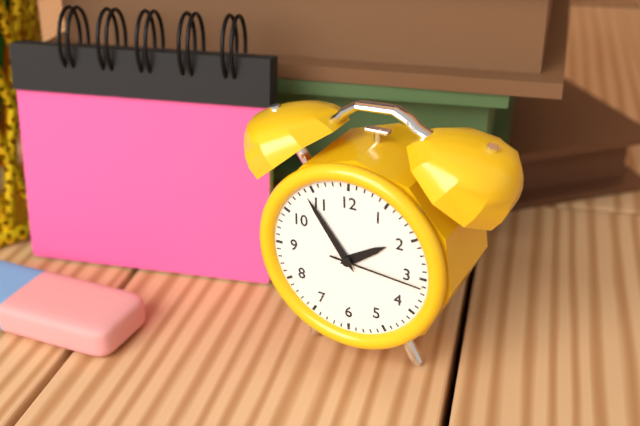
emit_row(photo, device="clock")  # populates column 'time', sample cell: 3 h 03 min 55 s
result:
1 h 54 min 16 s
